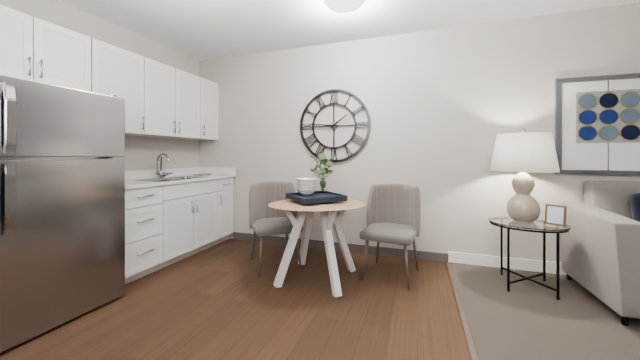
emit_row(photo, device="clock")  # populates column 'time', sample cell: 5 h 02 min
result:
1 h 46 min
